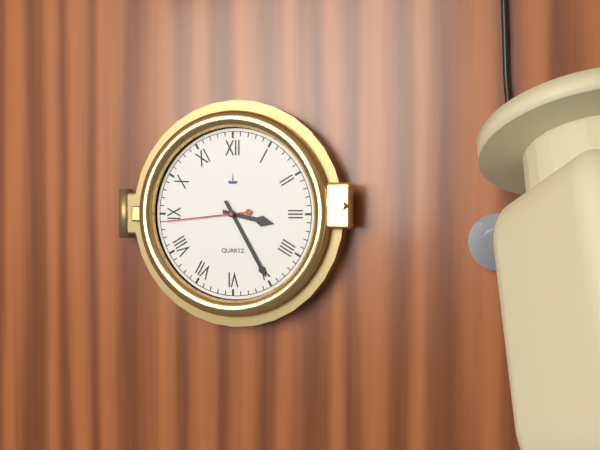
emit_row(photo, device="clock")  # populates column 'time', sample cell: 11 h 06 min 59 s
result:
3 h 25 min 44 s
